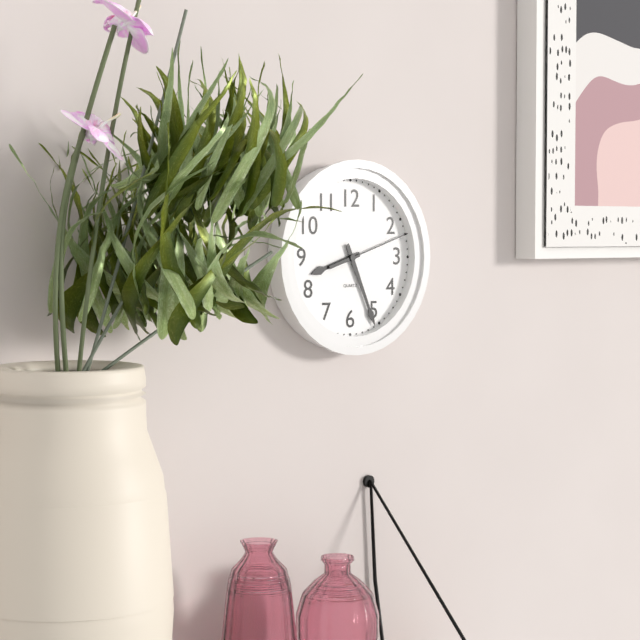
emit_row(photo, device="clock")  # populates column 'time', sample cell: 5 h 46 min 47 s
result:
8 h 26 min 12 s
